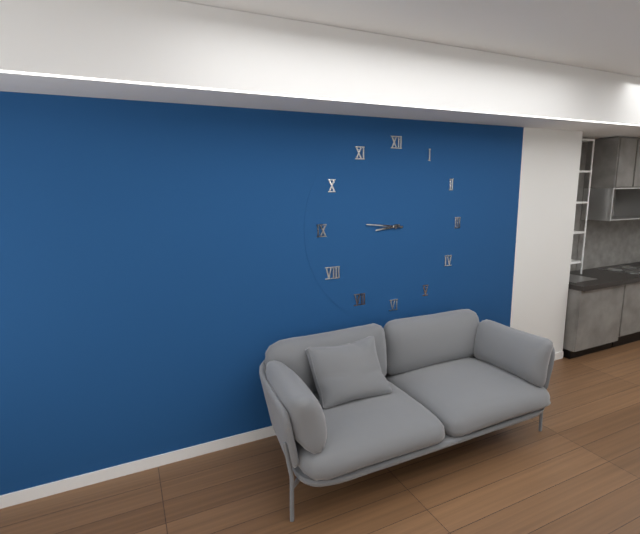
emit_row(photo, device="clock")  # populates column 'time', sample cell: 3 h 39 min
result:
8 h 46 min
